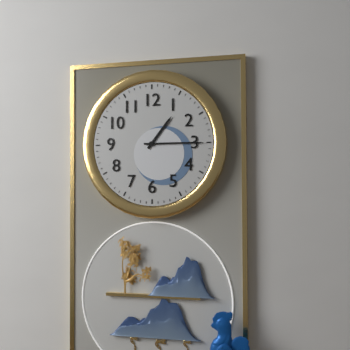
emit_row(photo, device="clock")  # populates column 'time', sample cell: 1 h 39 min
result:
1 h 15 min
